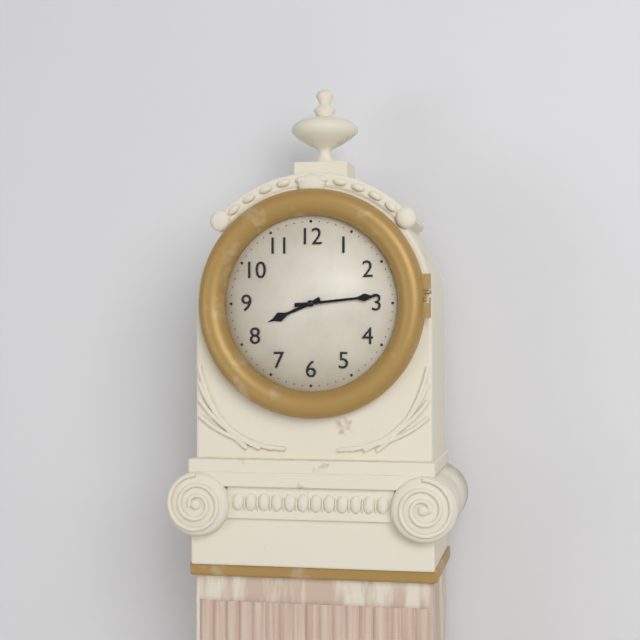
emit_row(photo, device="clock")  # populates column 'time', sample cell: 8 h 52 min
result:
8 h 14 min
